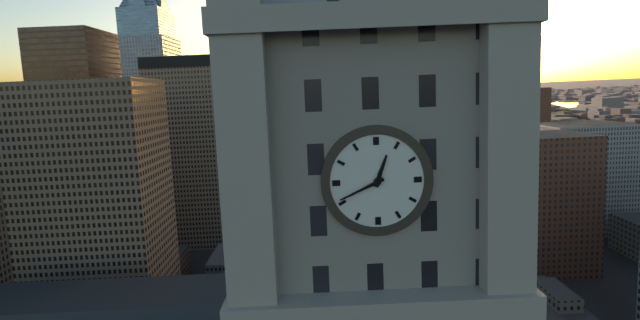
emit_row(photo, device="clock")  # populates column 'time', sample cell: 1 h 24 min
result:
12 h 41 min
